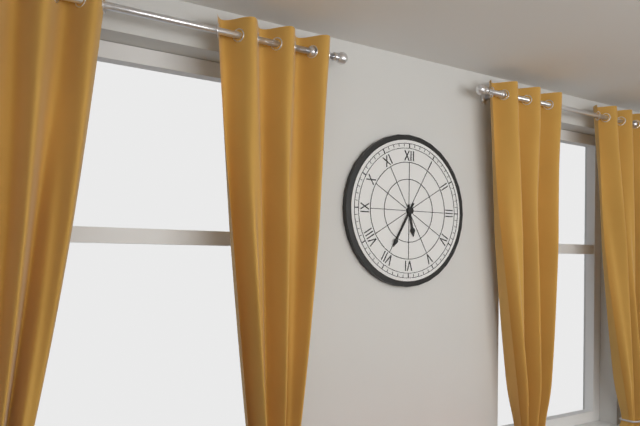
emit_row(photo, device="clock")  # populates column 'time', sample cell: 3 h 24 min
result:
5 h 35 min
